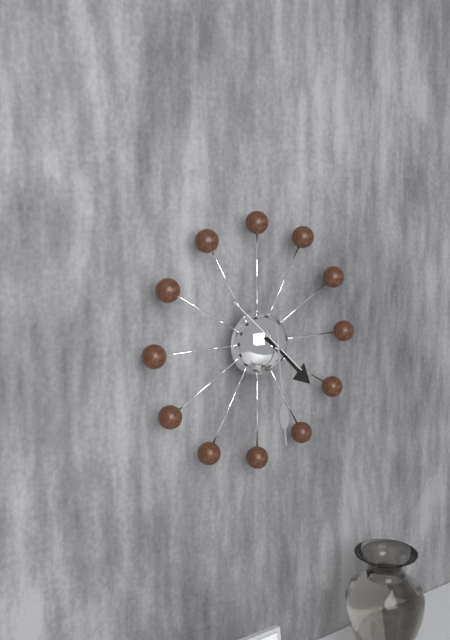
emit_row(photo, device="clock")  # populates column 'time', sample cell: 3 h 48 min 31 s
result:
4 h 29 min 52 s
